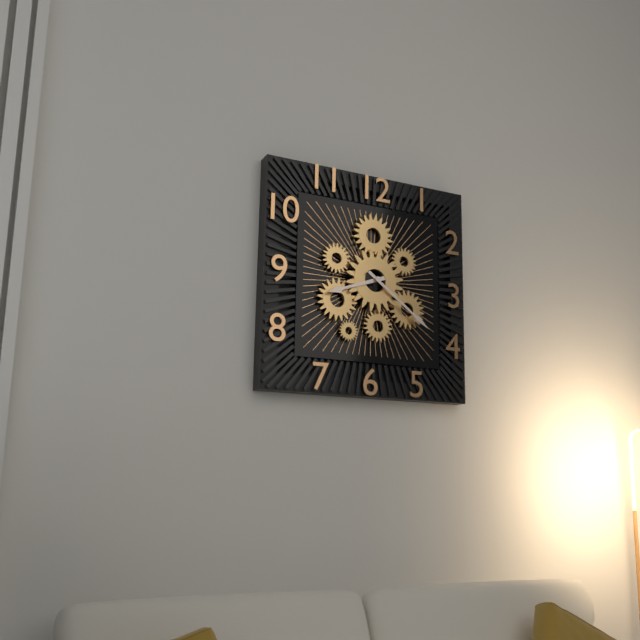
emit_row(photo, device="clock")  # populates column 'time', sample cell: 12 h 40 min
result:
8 h 21 min
